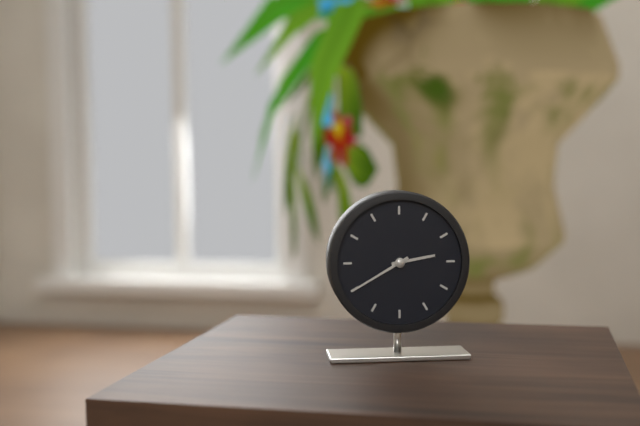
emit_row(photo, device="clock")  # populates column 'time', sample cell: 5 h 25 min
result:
2 h 40 min
